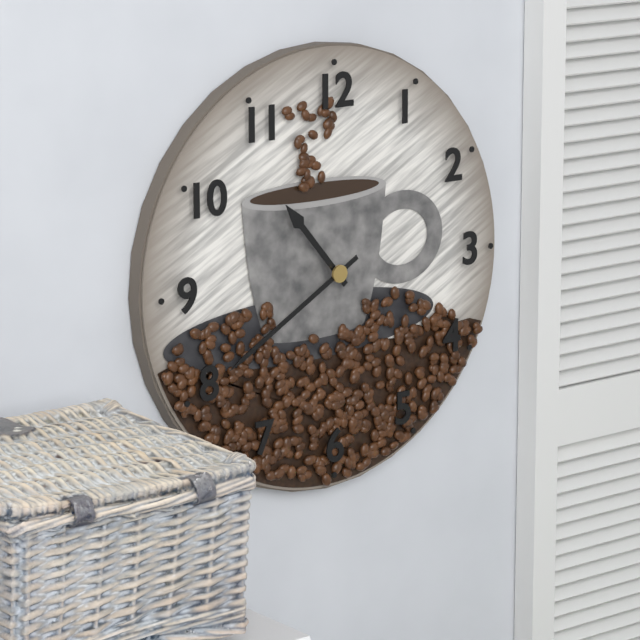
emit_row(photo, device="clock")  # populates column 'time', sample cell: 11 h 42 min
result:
10 h 40 min
